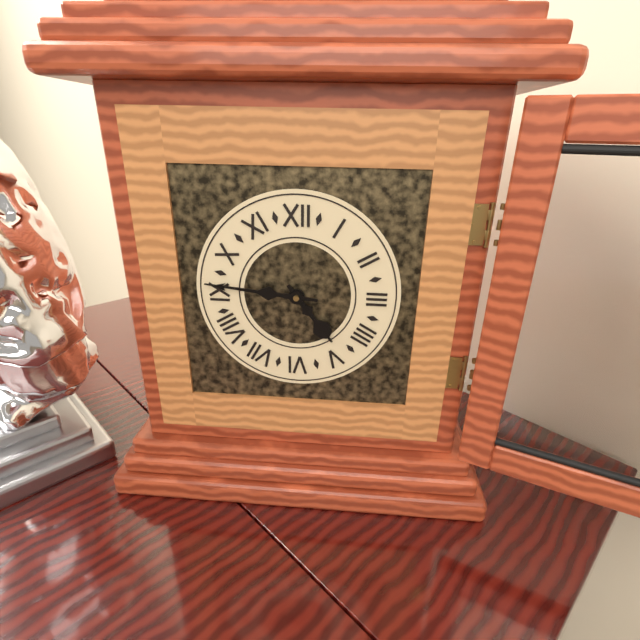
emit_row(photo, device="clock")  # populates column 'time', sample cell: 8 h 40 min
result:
4 h 46 min
